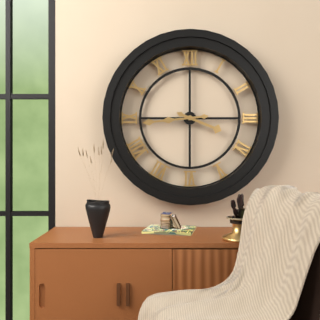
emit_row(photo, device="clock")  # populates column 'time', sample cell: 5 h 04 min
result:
3 h 44 min
